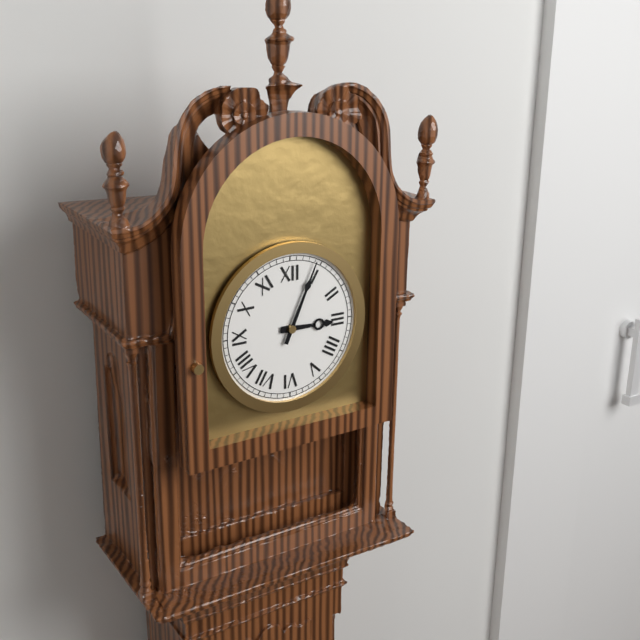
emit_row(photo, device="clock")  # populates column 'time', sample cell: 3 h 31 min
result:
3 h 04 min
